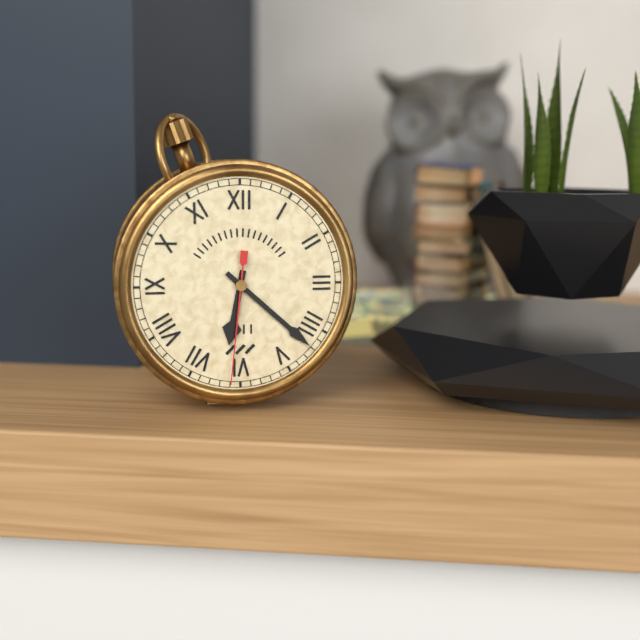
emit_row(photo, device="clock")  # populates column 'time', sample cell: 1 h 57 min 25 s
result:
6 h 22 min 31 s
